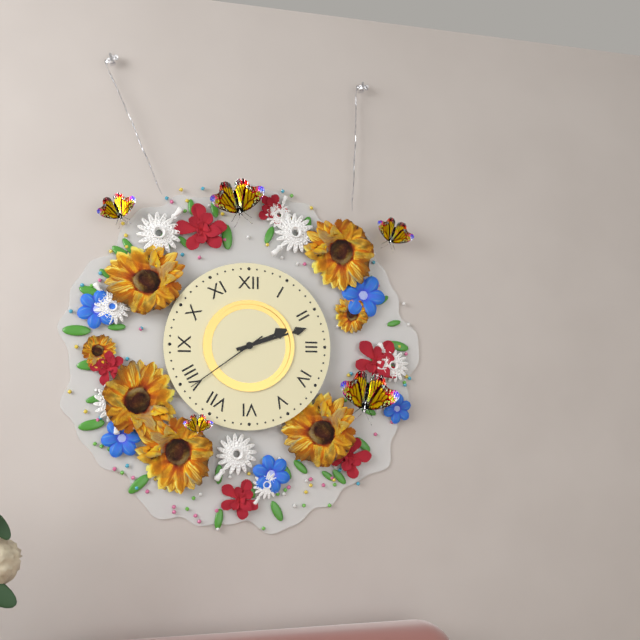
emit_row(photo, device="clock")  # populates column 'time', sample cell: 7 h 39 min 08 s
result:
2 h 12 min 39 s
